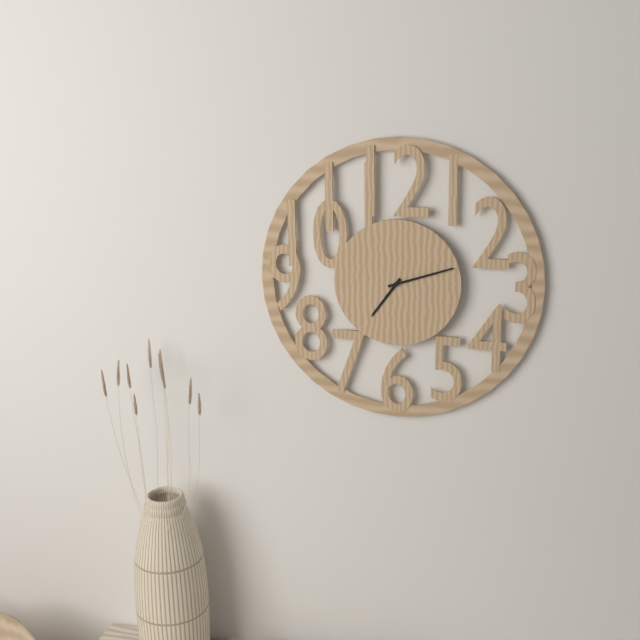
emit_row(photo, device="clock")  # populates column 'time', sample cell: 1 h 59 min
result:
7 h 12 min
